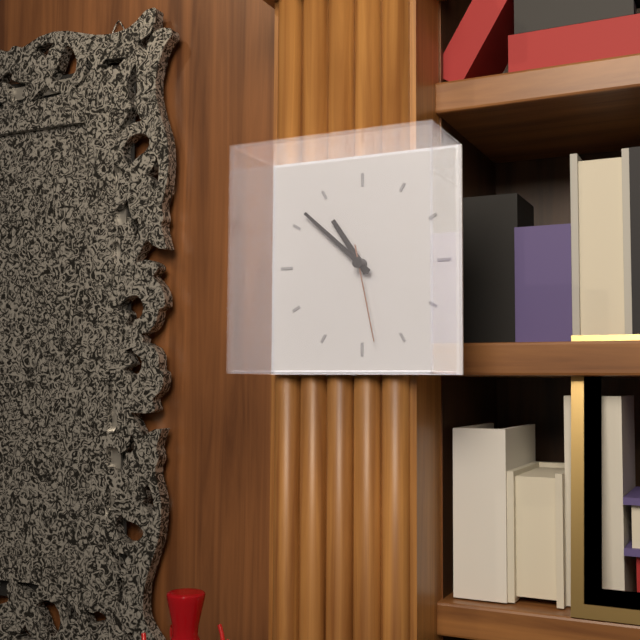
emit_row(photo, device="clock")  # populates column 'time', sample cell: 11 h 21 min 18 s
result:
10 h 52 min 28 s
